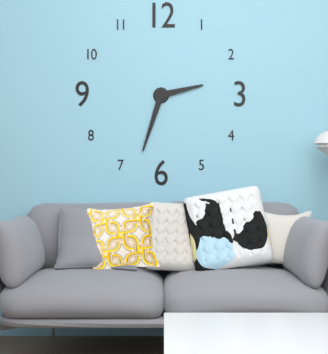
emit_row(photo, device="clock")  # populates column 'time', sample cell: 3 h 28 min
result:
2 h 33 min
